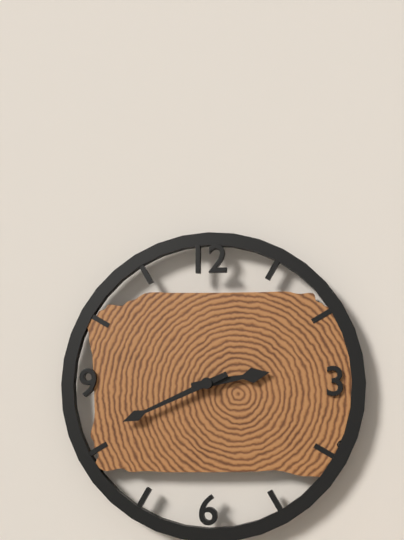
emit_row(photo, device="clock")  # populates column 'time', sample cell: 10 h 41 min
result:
2 h 41 min
